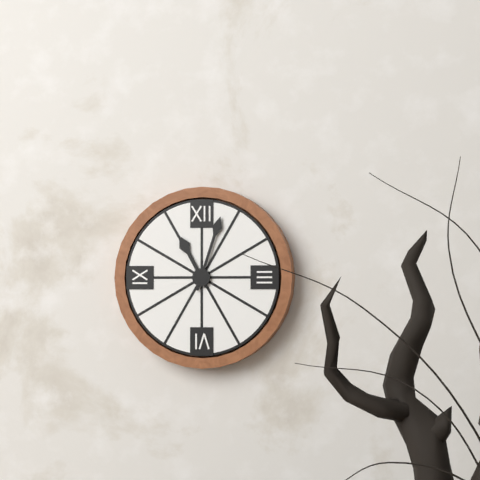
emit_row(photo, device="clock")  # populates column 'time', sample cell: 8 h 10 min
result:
11 h 03 min
